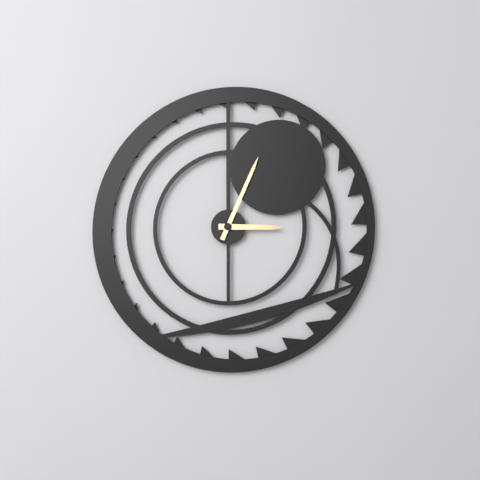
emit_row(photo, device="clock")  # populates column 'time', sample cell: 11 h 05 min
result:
3 h 04 min
